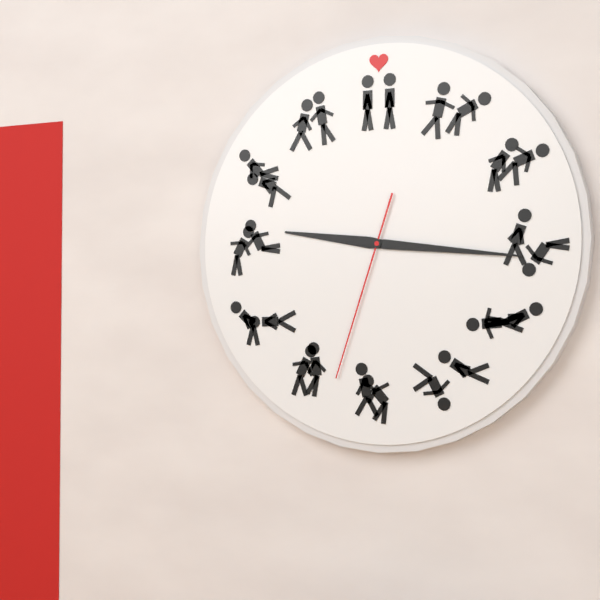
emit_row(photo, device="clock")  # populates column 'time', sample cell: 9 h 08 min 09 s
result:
9 h 16 min 33 s
